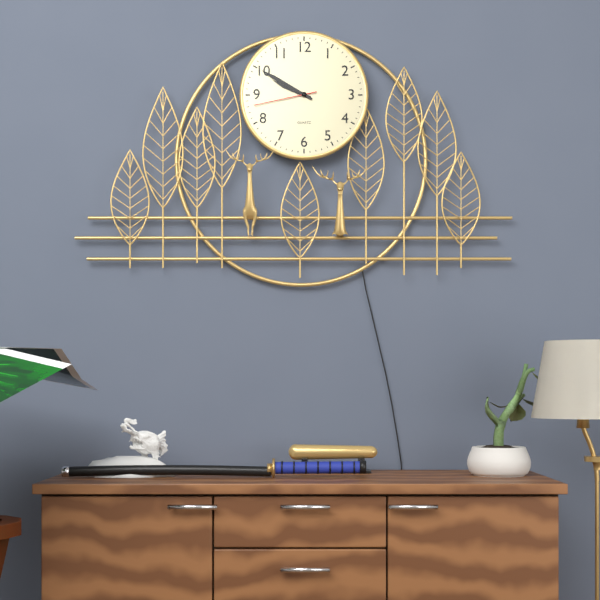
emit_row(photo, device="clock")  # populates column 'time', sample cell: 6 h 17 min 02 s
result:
9 h 50 min 43 s
